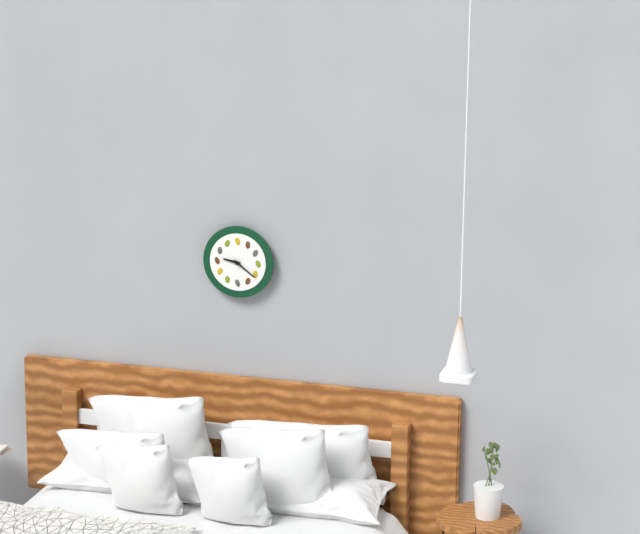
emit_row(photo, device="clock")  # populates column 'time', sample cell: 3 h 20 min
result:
9 h 21 min
